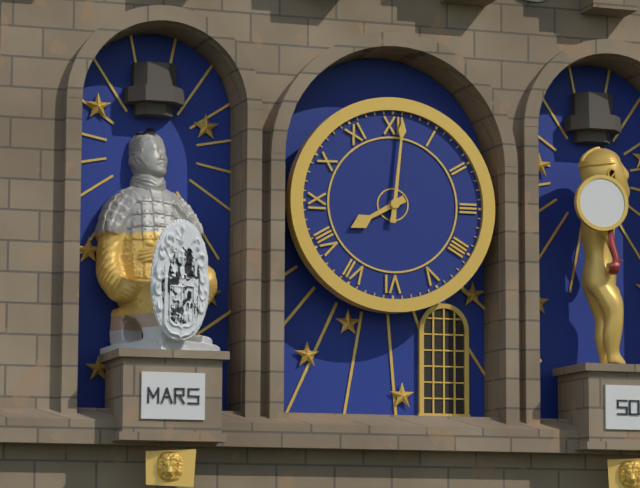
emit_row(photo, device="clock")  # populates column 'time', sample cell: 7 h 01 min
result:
8 h 01 min
